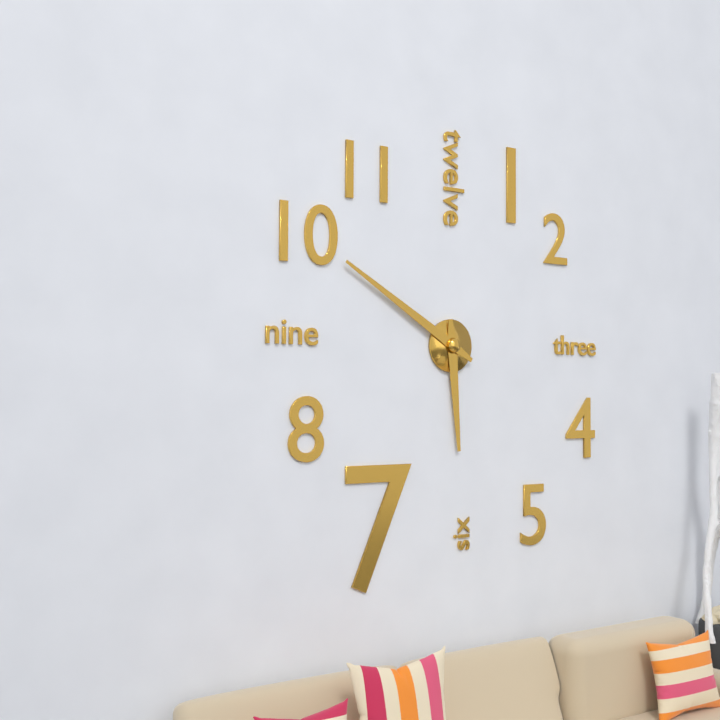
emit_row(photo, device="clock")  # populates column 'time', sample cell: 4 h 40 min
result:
5 h 50 min
